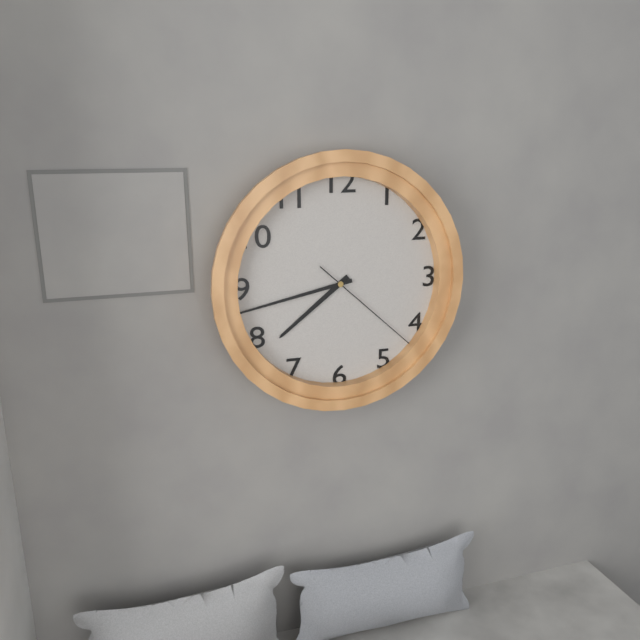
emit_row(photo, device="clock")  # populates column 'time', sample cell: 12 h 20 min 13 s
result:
7 h 43 min 22 s
